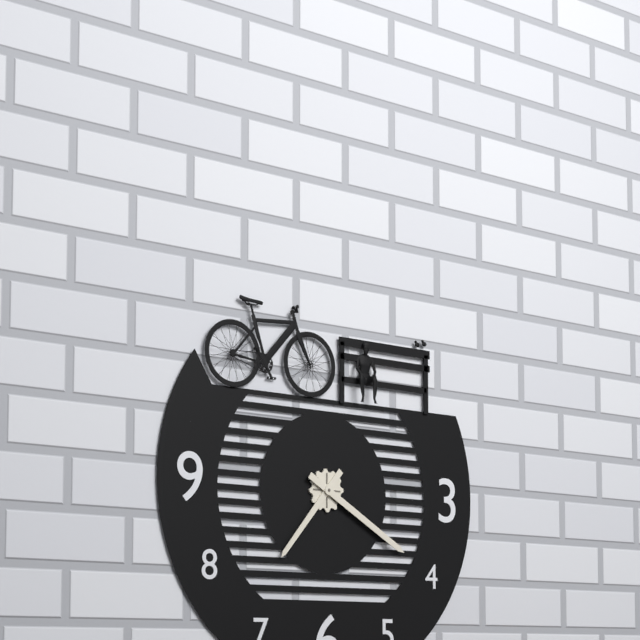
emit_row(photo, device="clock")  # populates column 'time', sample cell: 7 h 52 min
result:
7 h 20 min
